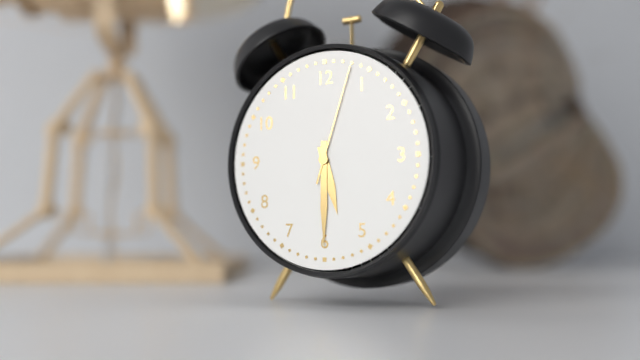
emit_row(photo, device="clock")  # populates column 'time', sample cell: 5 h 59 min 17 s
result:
5 h 30 min 03 s
